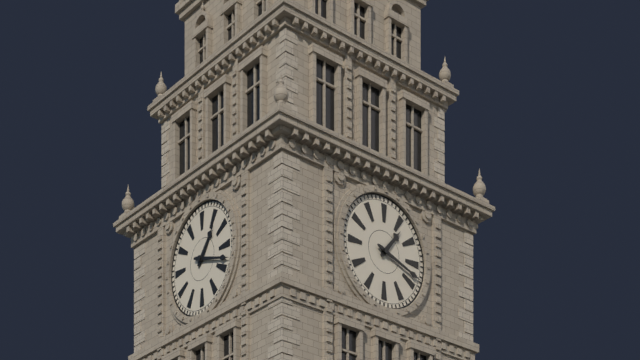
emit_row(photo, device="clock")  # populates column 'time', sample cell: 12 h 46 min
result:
1 h 18 min
